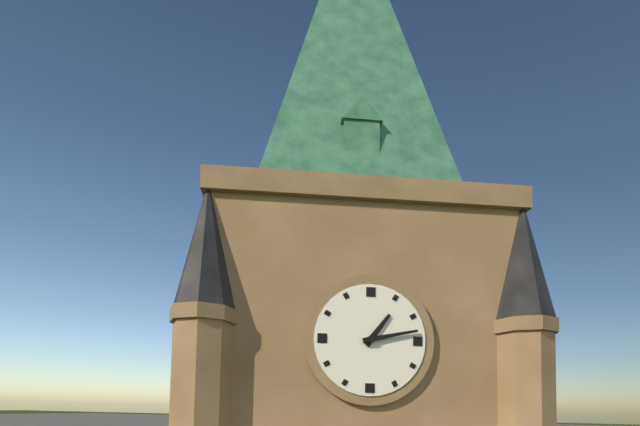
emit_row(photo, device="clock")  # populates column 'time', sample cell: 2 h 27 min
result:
1 h 13 min
